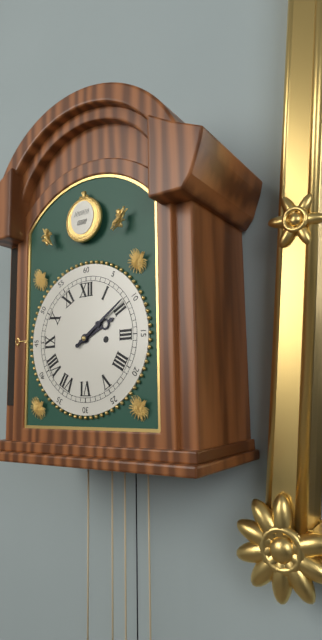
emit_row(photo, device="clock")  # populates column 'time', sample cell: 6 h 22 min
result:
2 h 09 min
